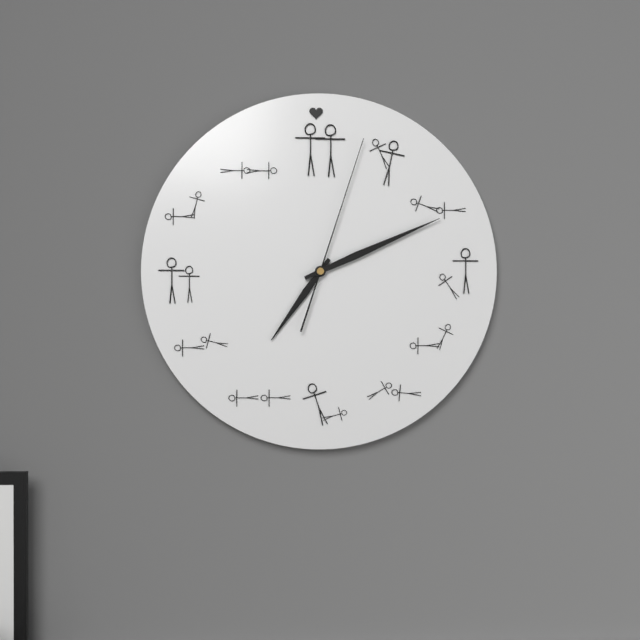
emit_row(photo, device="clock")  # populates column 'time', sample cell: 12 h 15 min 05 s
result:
7 h 11 min 03 s
